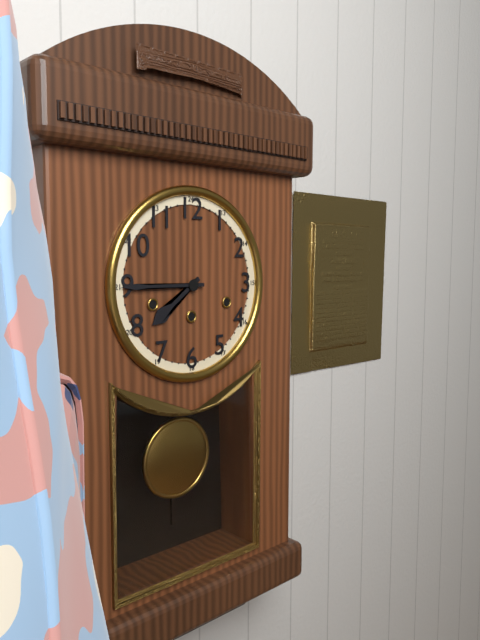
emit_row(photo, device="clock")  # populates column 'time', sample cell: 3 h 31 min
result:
7 h 45 min
